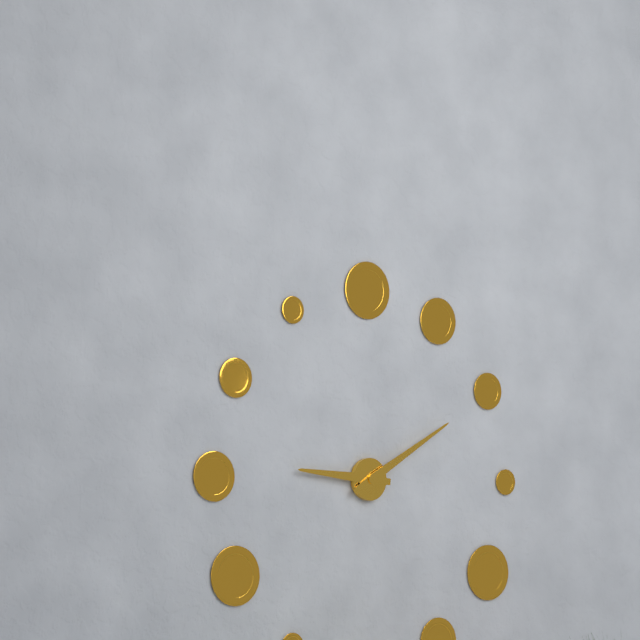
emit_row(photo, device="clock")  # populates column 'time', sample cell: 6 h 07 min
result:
9 h 10 min
